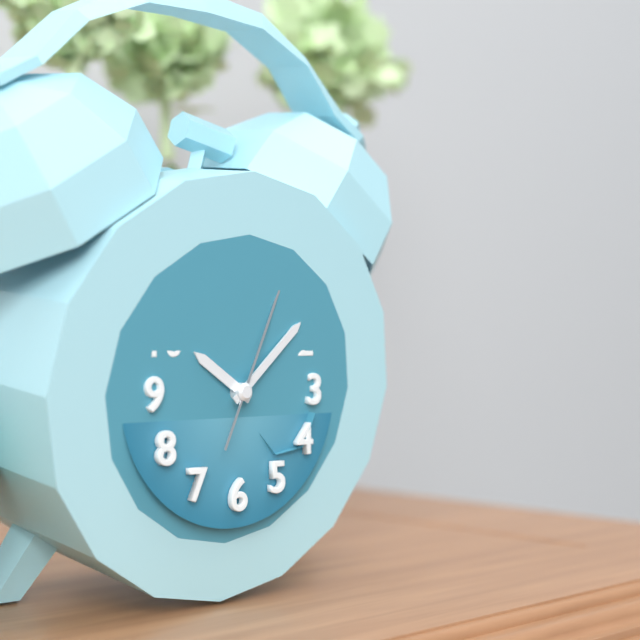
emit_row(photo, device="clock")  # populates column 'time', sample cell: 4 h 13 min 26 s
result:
10 h 08 min 04 s
